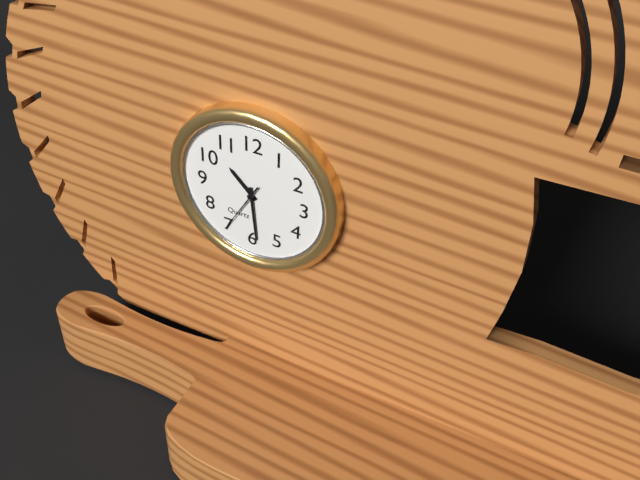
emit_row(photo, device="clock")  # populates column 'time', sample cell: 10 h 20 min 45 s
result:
10 h 29 min 35 s
